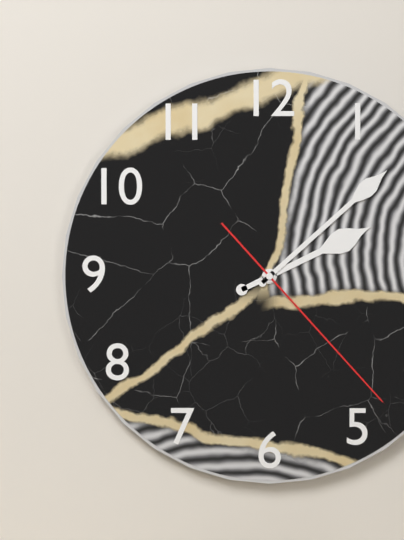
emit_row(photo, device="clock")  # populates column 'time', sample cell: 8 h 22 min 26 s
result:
2 h 08 min 23 s
